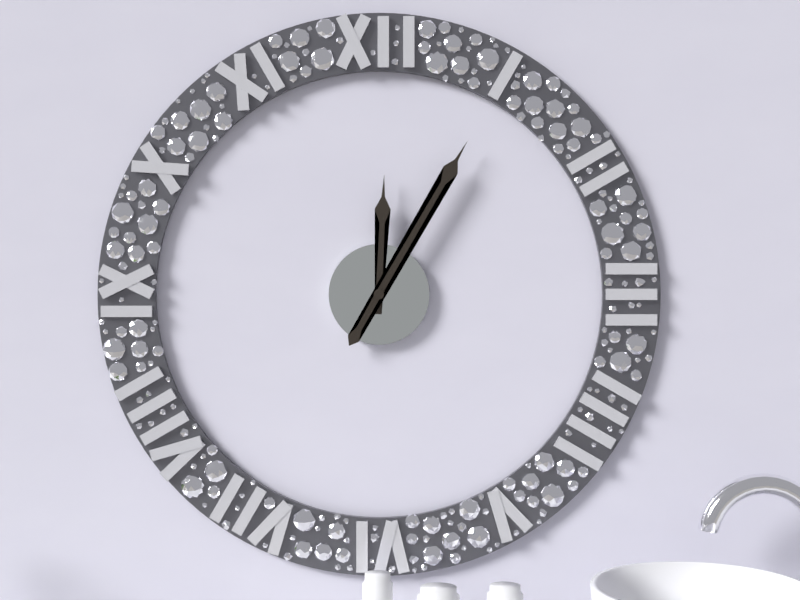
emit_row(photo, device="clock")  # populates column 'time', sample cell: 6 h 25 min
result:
12 h 05 min
